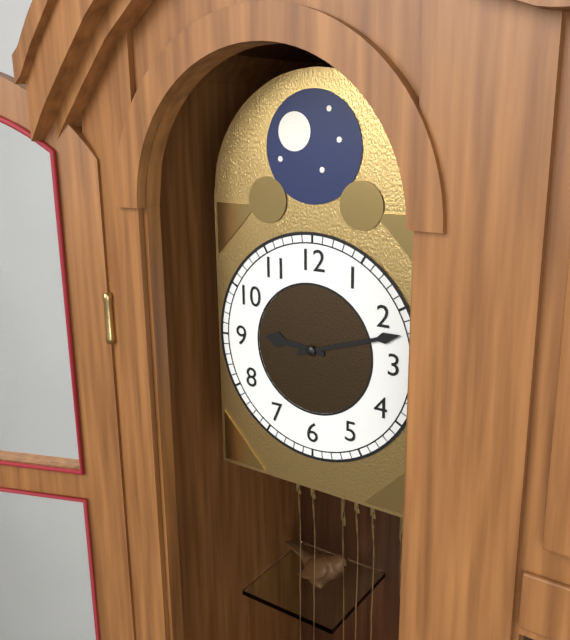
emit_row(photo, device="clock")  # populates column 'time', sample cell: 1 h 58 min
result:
9 h 12 min
